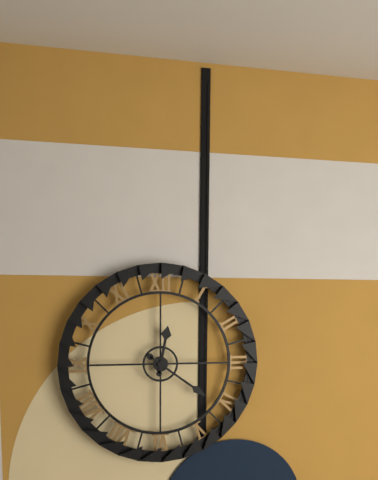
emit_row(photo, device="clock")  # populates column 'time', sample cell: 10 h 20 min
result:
12 h 21 min
